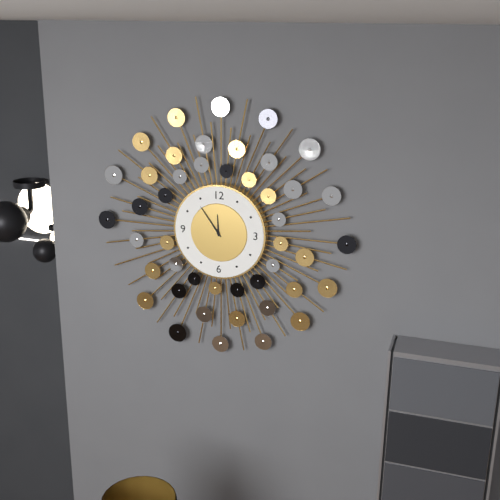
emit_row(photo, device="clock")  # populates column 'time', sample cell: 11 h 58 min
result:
11 h 54 min
